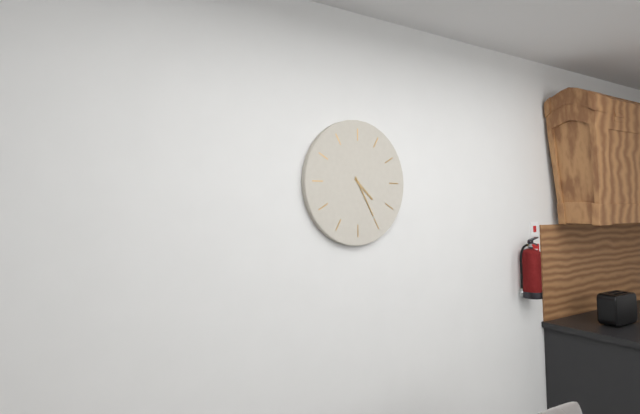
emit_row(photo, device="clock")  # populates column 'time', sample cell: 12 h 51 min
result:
4 h 25 min
